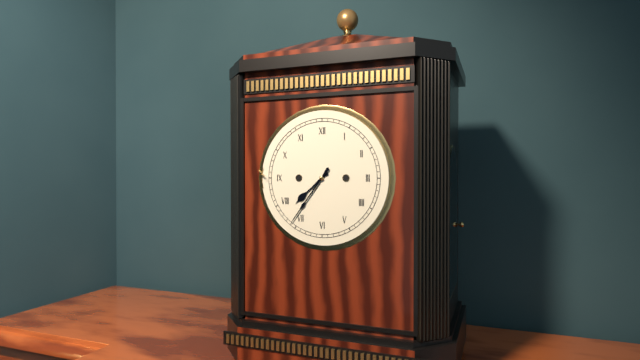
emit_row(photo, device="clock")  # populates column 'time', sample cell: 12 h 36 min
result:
7 h 36 min
